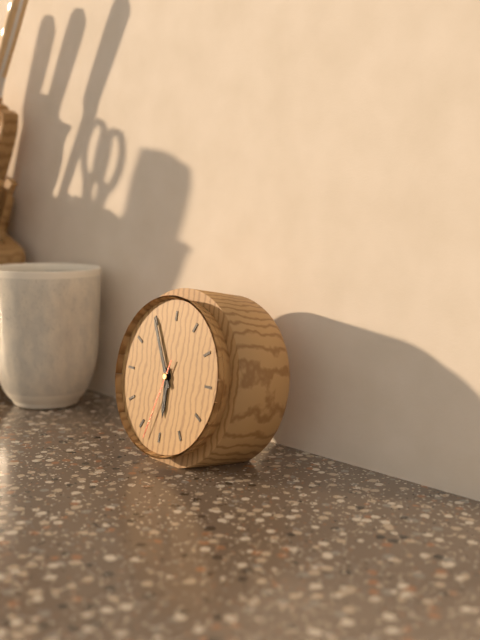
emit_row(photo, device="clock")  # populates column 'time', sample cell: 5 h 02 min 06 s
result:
5 h 55 min 33 s
